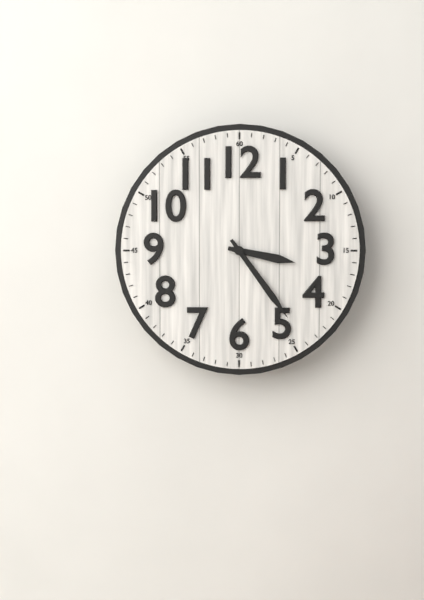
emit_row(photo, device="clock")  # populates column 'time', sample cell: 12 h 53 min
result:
3 h 24 min
